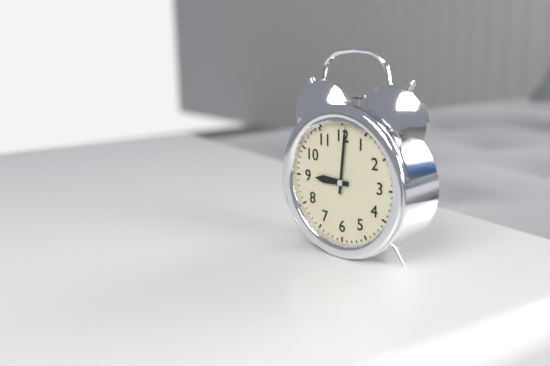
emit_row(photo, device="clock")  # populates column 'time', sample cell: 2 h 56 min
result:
9 h 01 min
